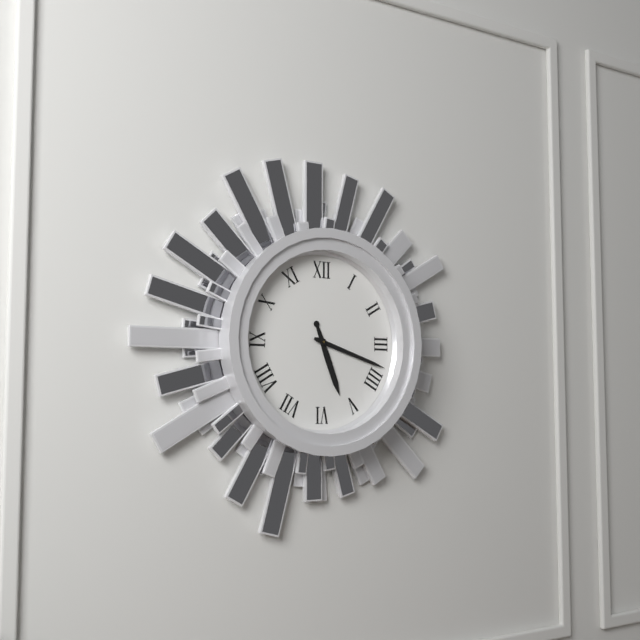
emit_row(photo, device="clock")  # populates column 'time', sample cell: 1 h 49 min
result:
5 h 18 min
